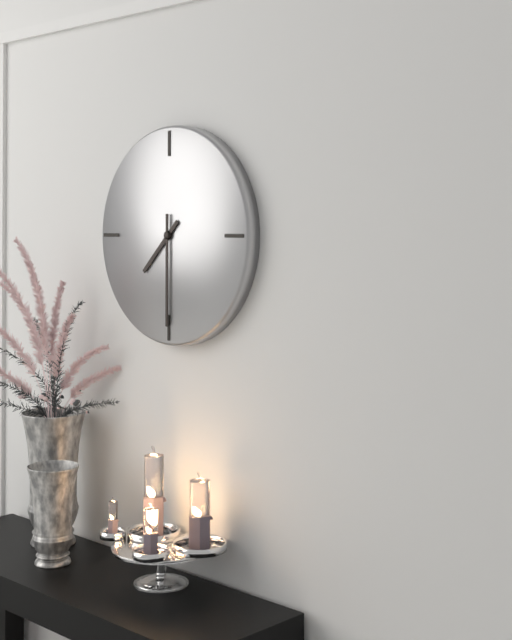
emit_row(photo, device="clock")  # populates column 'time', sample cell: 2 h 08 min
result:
7 h 30 min
